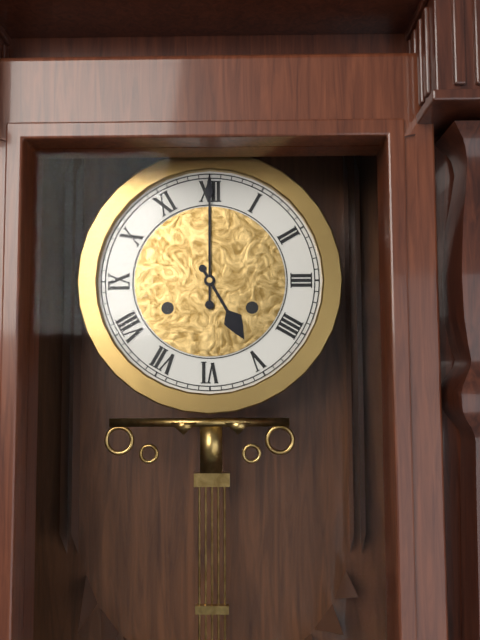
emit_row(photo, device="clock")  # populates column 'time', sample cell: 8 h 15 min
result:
5 h 00 min
